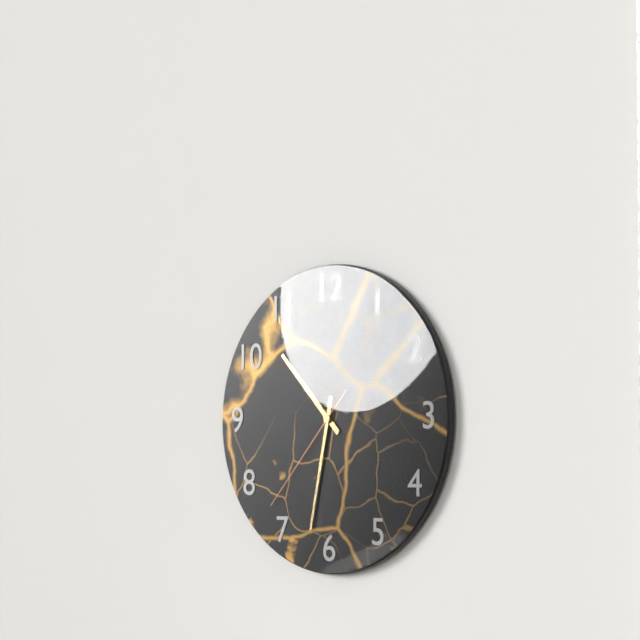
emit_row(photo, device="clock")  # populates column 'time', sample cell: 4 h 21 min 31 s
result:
10 h 32 min 37 s
